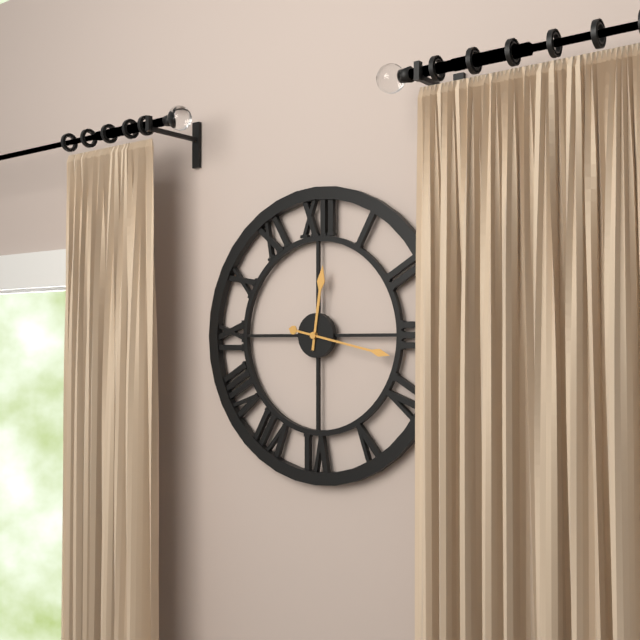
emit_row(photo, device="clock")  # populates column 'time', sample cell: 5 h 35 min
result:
12 h 17 min
